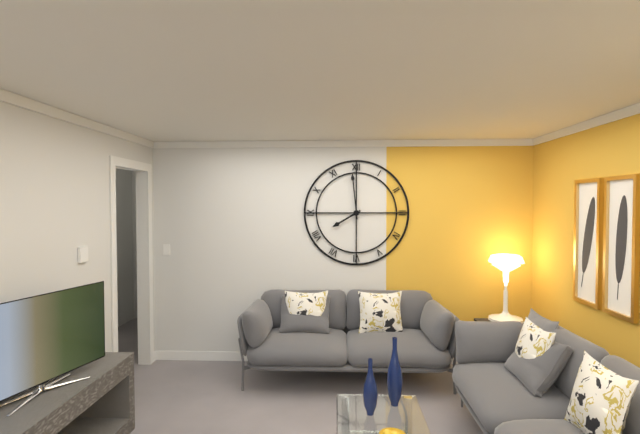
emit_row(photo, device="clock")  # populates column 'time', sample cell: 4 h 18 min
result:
7 h 59 min
